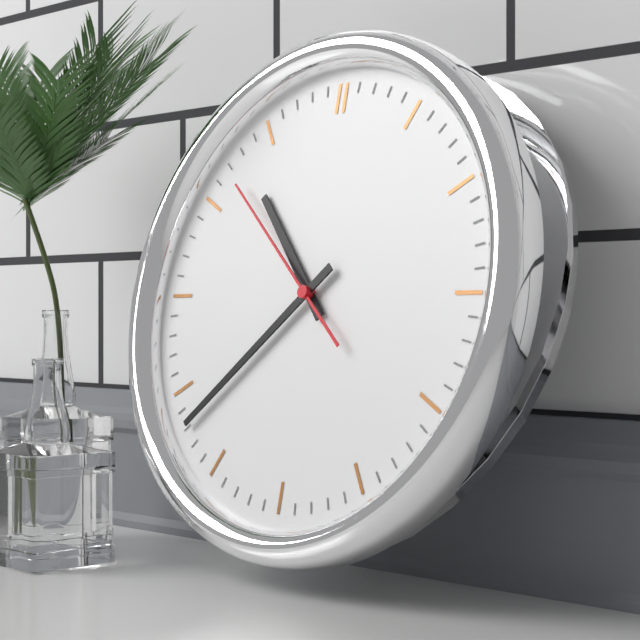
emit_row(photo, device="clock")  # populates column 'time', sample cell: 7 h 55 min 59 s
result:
10 h 38 min 52 s
